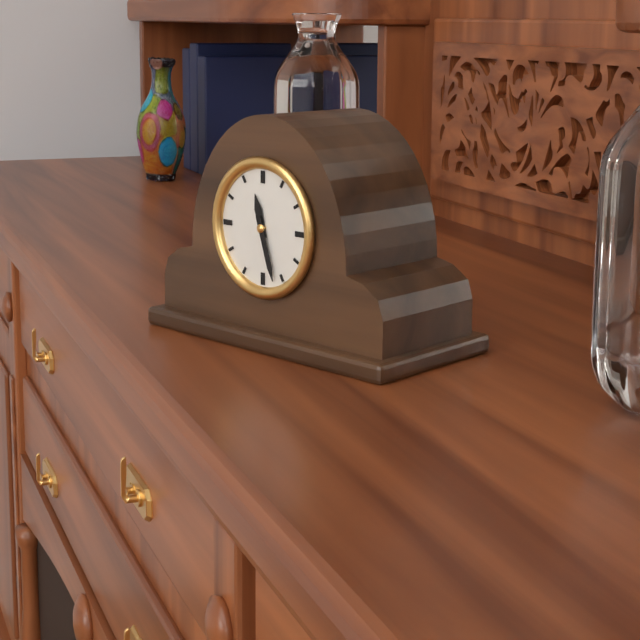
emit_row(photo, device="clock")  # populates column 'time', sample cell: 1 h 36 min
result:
11 h 27 min
